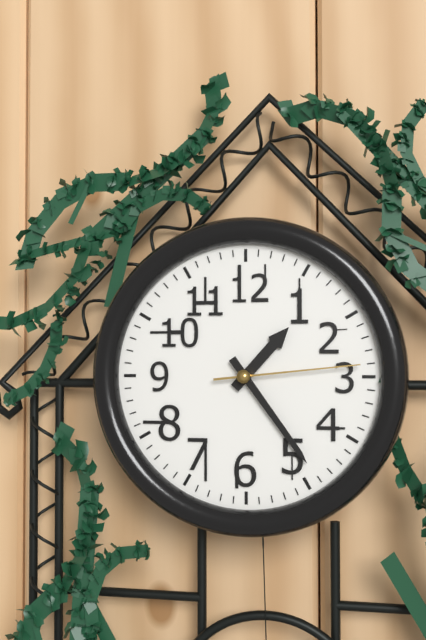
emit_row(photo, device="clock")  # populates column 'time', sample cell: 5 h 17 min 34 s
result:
1 h 24 min 14 s
